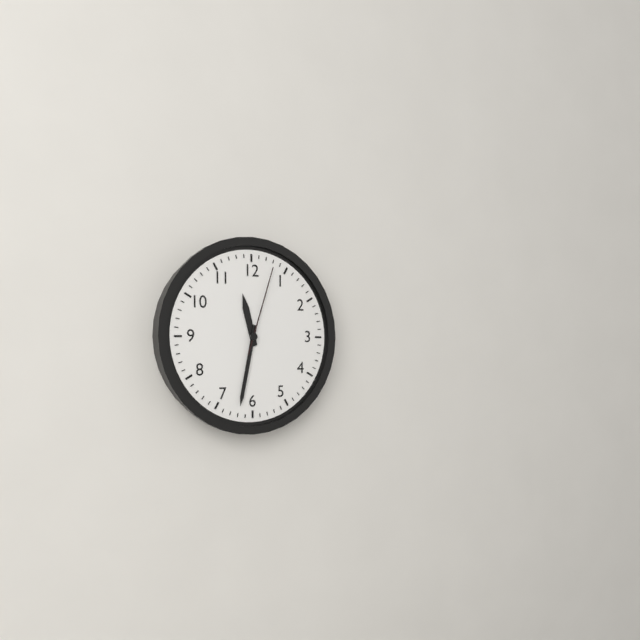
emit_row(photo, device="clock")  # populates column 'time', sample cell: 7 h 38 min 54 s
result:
11 h 32 min 03 s
